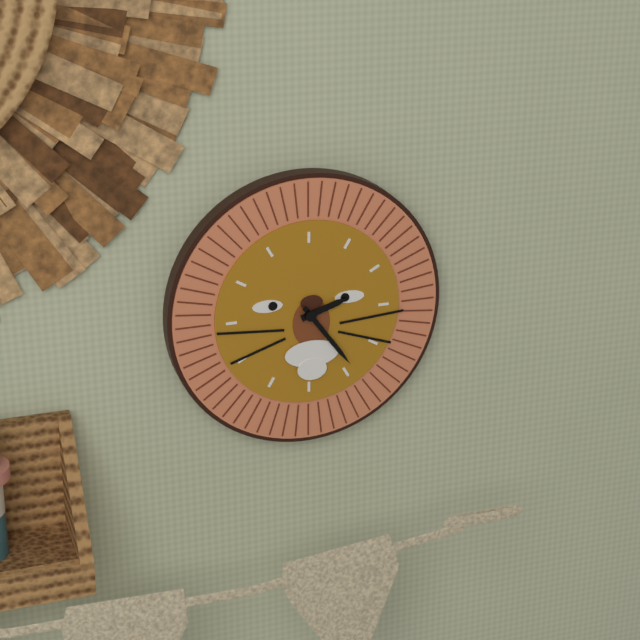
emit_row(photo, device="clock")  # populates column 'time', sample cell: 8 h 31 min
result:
2 h 24 min
